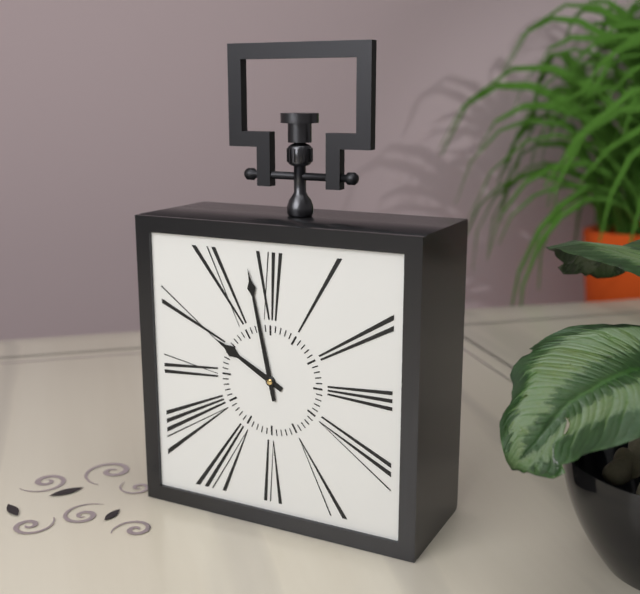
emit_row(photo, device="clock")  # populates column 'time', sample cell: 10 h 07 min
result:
9 h 58 min
